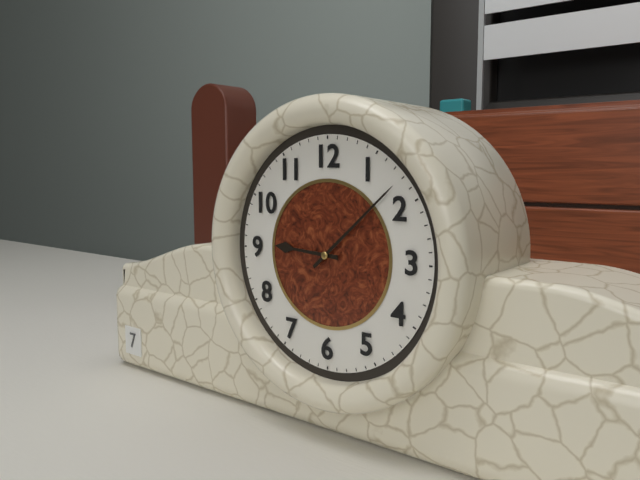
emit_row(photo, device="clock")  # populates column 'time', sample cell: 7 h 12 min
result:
9 h 08 min
